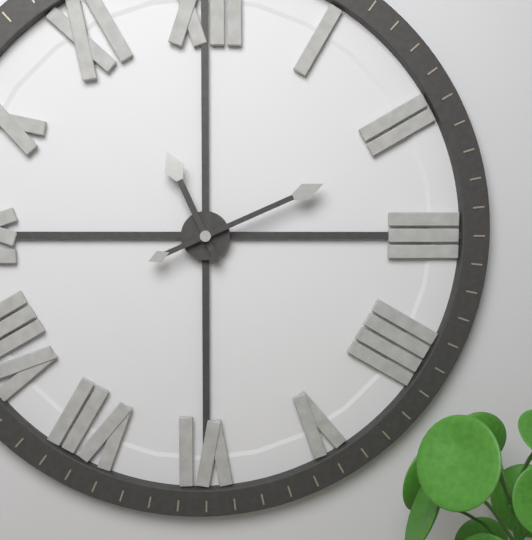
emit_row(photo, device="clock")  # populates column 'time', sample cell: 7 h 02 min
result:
11 h 11 min
